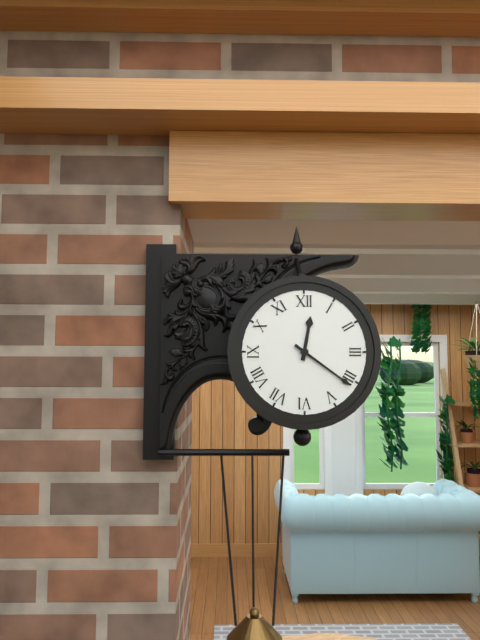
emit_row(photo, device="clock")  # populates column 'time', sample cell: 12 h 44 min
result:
12 h 21 min
